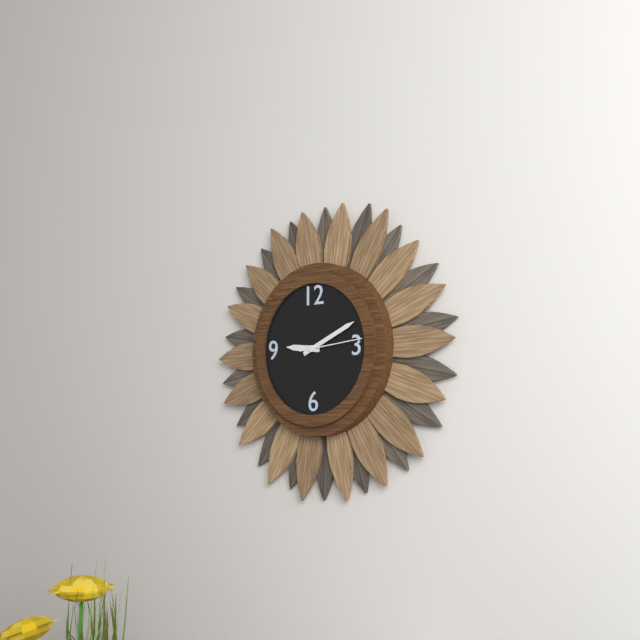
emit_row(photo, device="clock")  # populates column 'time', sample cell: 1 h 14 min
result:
9 h 11 min
